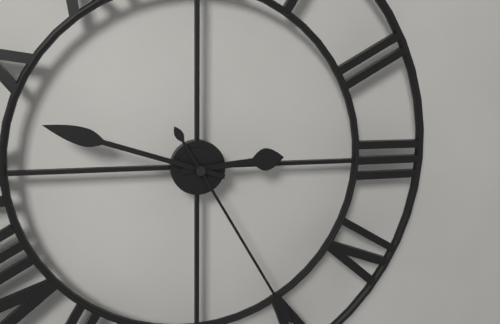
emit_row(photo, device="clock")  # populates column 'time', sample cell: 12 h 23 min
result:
2 h 48 min
